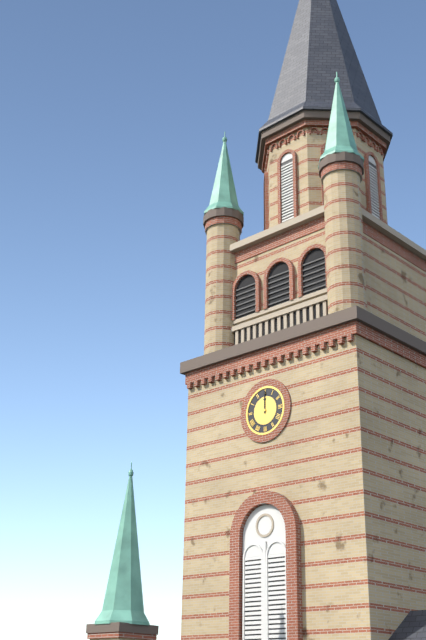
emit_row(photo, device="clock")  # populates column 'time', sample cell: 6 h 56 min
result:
12 h 00 min
